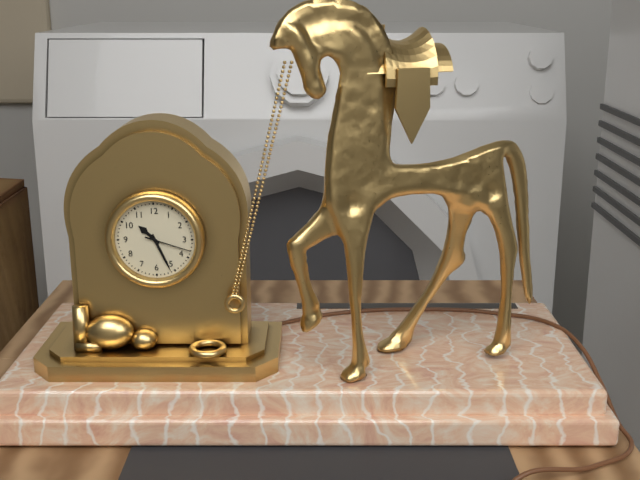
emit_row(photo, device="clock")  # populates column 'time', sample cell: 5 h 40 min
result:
10 h 26 min
